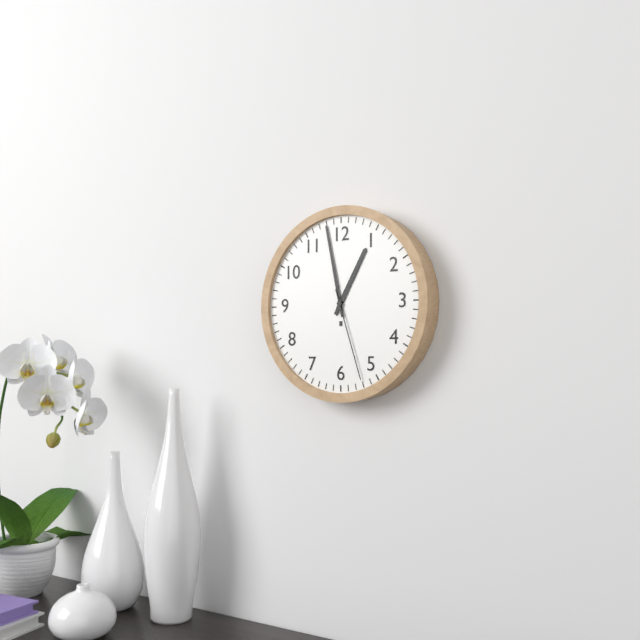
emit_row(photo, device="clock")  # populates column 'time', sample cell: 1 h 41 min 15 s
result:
12 h 58 min 27 s
